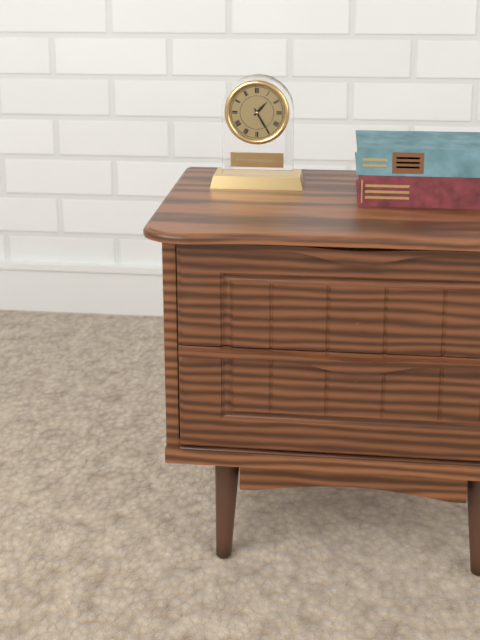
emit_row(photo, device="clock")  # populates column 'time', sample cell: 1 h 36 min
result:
1 h 25 min
